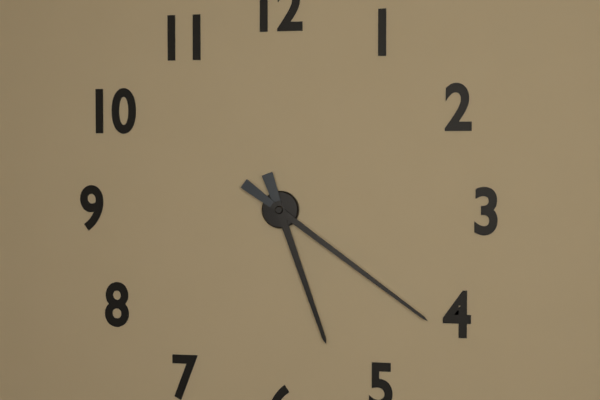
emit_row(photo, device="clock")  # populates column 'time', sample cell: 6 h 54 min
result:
5 h 21 min
